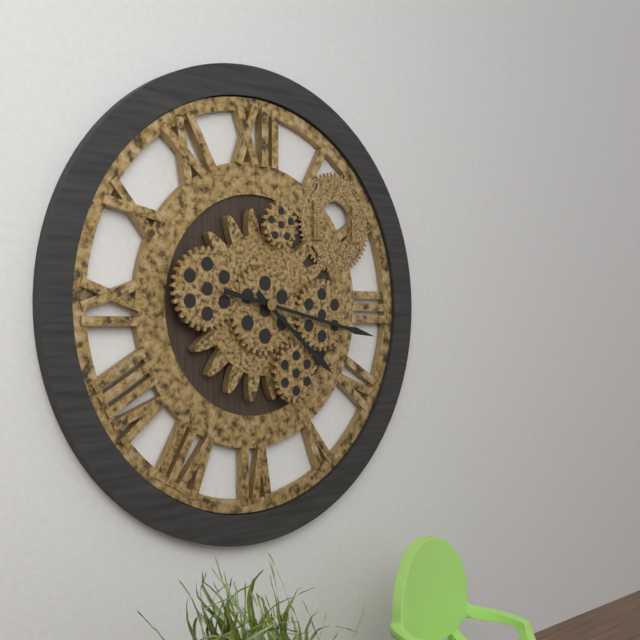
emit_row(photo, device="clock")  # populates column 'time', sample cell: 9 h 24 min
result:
4 h 17 min
